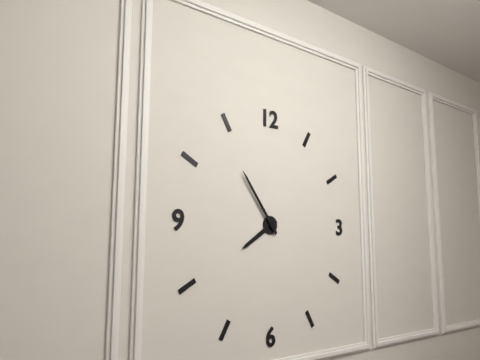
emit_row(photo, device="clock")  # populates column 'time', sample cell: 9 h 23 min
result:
7 h 54 min
